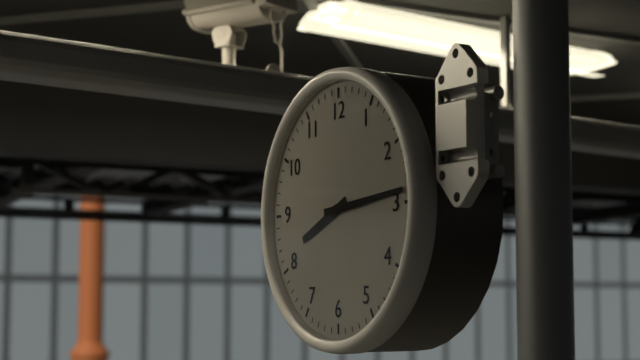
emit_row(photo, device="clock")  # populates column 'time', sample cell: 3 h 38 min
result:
8 h 14 min
